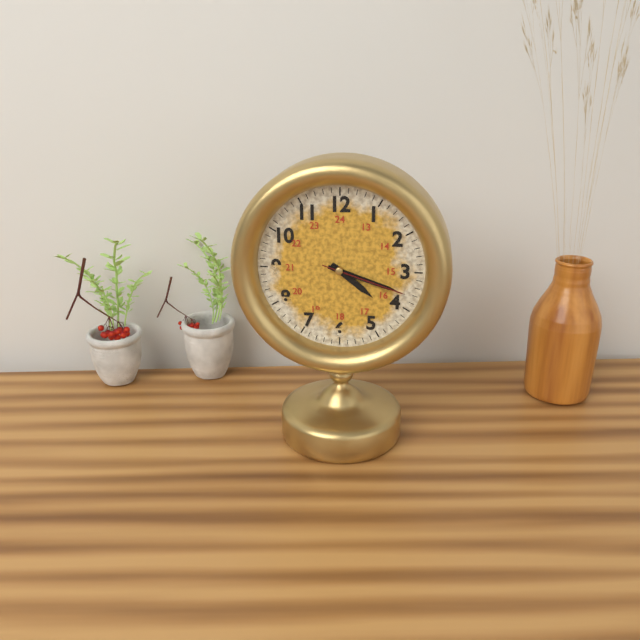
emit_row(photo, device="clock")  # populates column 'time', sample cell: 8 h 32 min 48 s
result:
4 h 18 min 18 s
